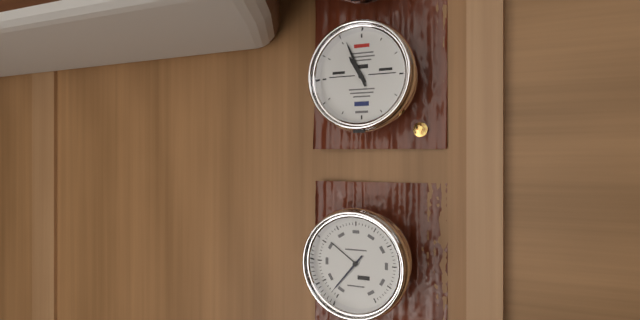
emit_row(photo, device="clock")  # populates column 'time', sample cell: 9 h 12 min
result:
10 h 56 min
